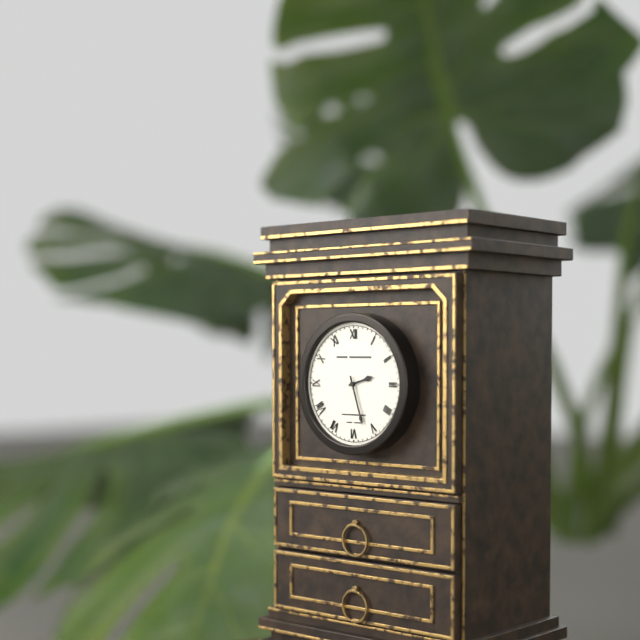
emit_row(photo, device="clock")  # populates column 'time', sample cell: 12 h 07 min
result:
2 h 27 min
